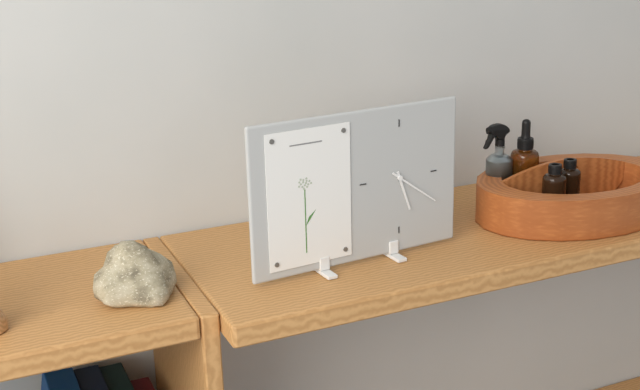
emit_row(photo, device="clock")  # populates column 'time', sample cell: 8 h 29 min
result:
5 h 21 min
